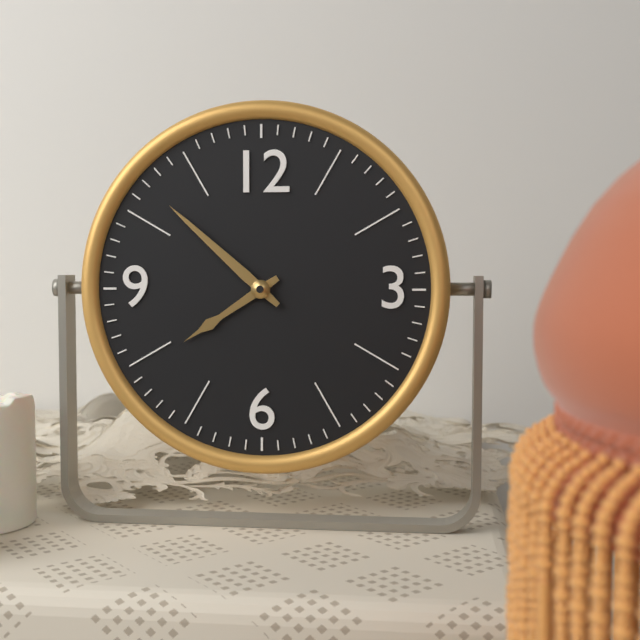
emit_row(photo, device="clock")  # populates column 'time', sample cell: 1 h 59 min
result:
7 h 52 min
